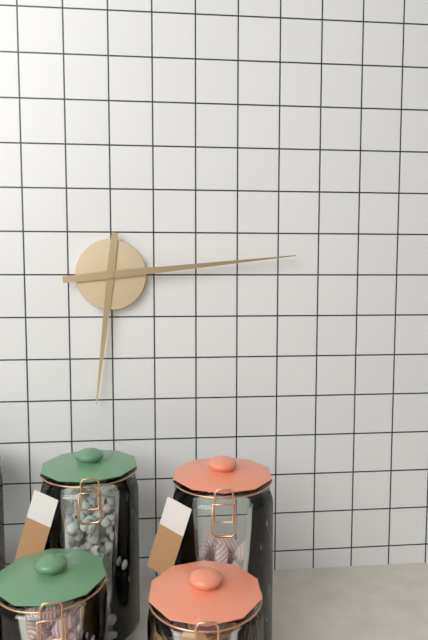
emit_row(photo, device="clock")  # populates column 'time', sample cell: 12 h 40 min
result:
6 h 14 min
